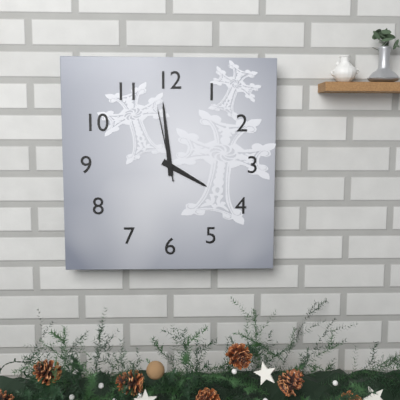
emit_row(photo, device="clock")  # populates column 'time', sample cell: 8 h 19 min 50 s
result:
3 h 59 min 58 s
